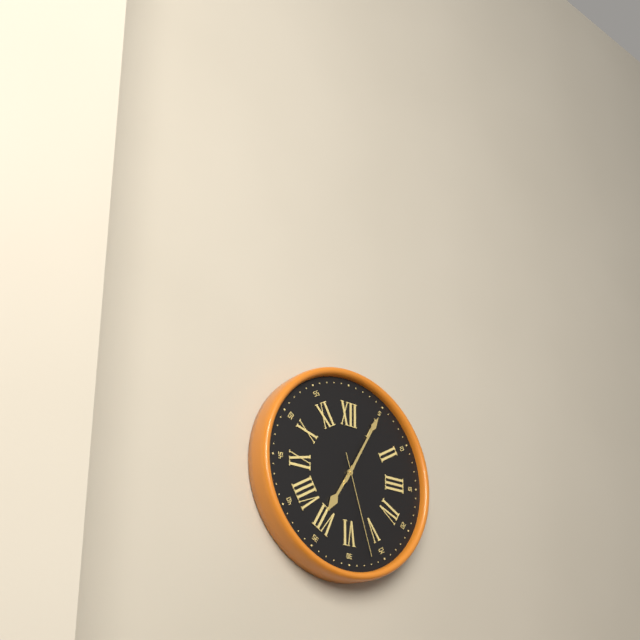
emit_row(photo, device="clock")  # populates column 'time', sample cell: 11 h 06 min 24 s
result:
7 h 05 min 27 s
